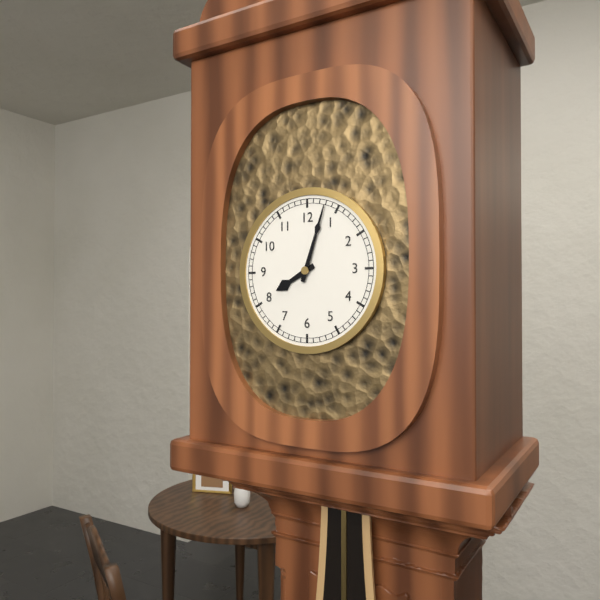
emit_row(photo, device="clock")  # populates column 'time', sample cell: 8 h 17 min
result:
8 h 03 min
